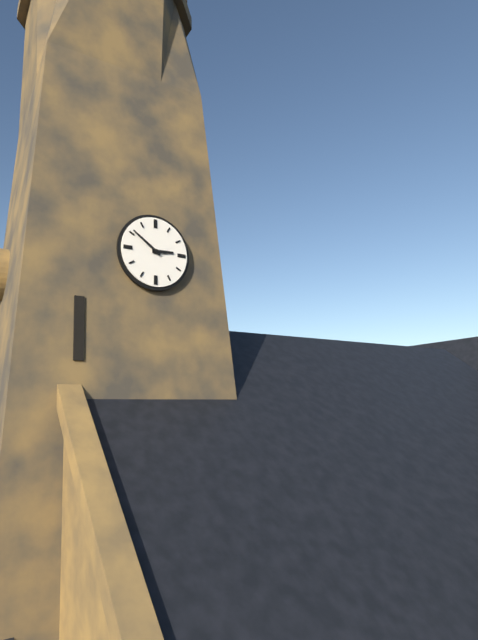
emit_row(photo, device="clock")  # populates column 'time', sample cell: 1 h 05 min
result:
2 h 51 min
